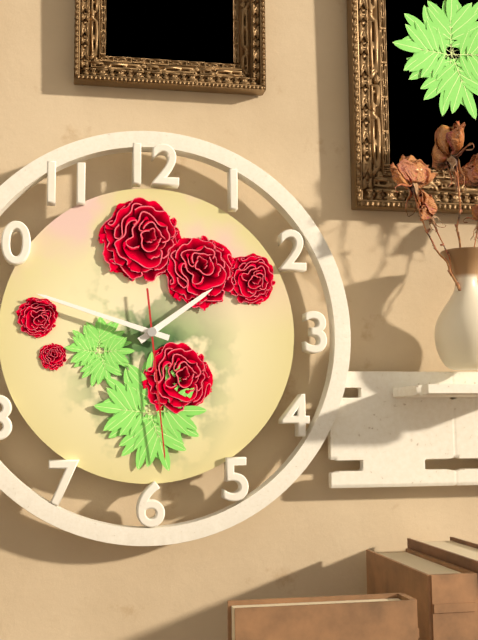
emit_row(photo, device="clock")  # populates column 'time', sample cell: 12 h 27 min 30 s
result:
1 h 48 min 29 s
